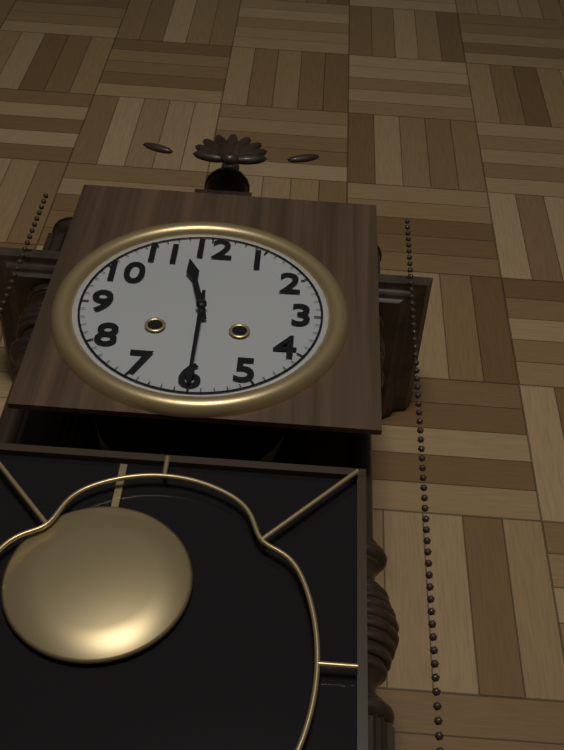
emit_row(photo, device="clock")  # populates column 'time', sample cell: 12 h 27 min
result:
11 h 30 min
